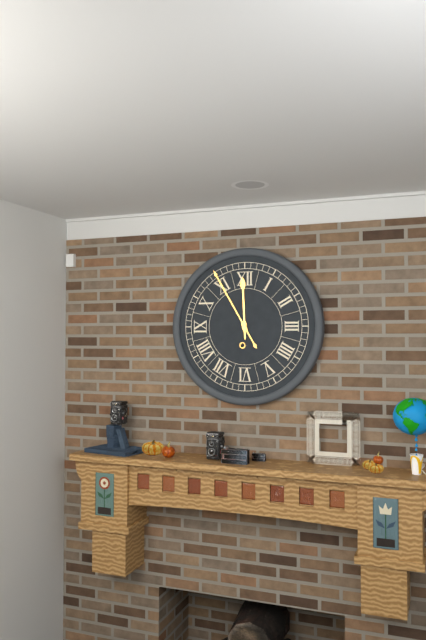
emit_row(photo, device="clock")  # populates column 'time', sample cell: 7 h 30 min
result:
11 h 55 min
